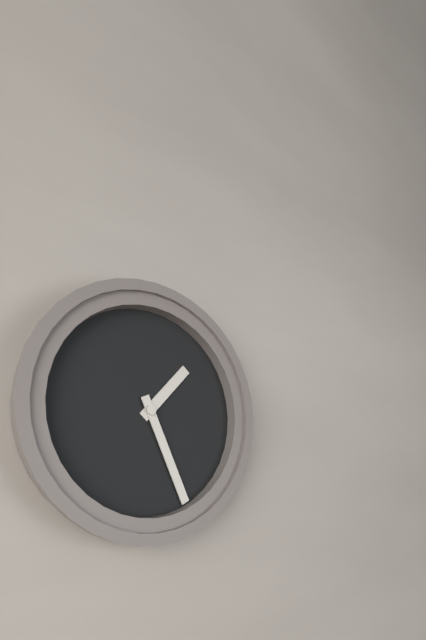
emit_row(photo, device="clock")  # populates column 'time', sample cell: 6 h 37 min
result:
1 h 26 min
